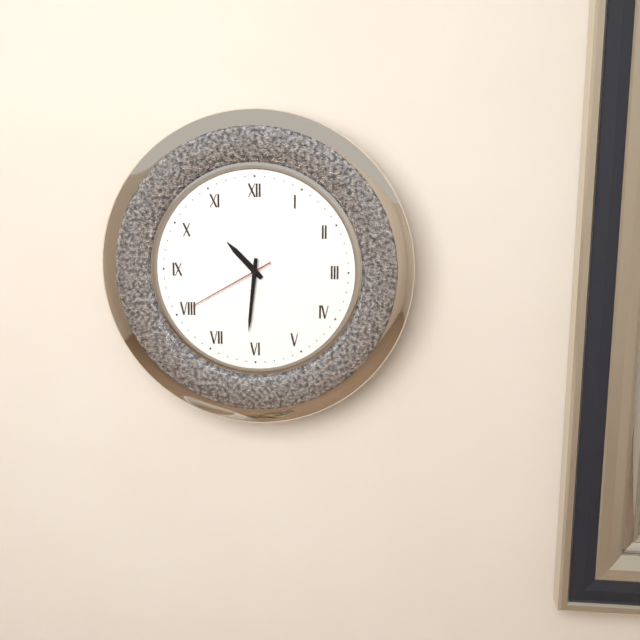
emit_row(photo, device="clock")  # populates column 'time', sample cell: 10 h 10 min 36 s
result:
10 h 31 min 40 s
